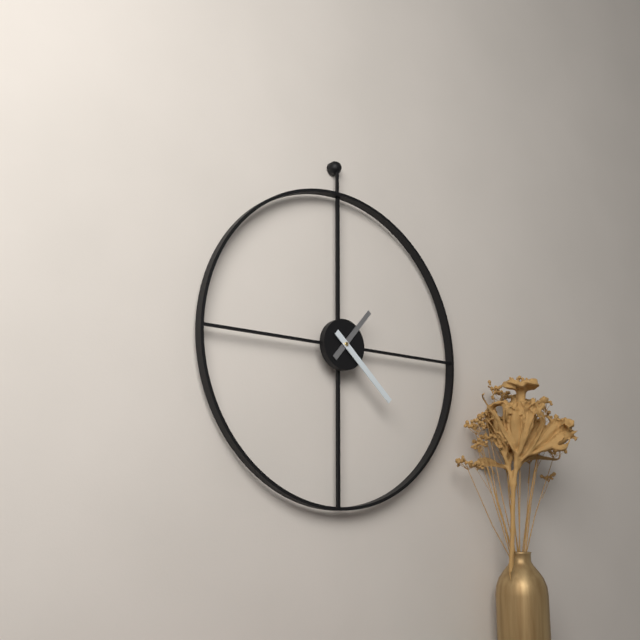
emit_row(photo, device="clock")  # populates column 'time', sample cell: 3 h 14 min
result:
1 h 22 min
